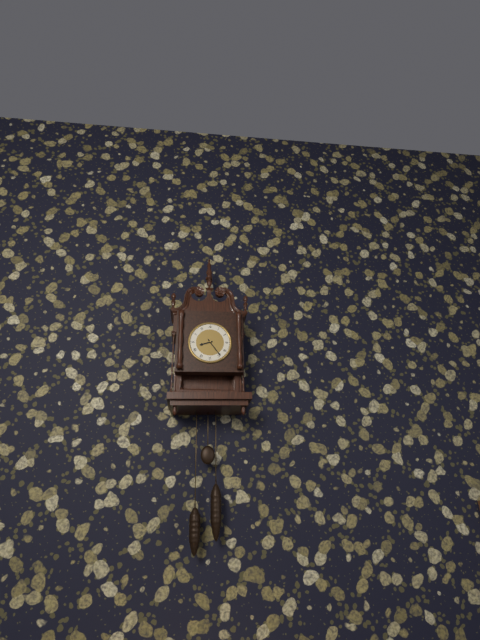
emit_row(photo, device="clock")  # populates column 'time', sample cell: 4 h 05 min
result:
8 h 24 min
